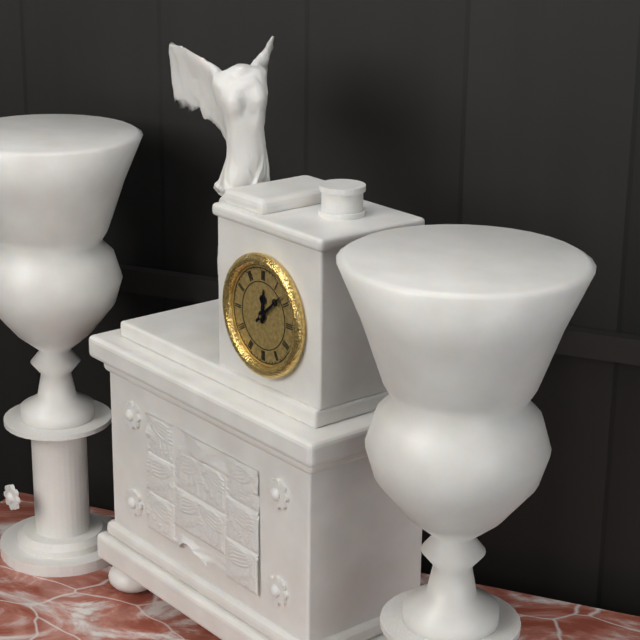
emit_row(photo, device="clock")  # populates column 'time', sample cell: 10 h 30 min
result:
12 h 08 min
